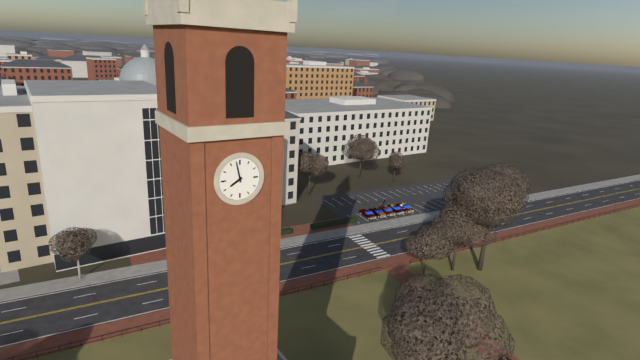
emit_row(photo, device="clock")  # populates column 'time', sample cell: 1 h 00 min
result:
7 h 58 min
